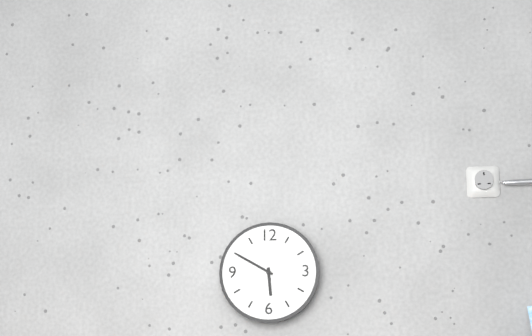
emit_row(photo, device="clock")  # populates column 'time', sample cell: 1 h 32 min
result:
5 h 50 min
